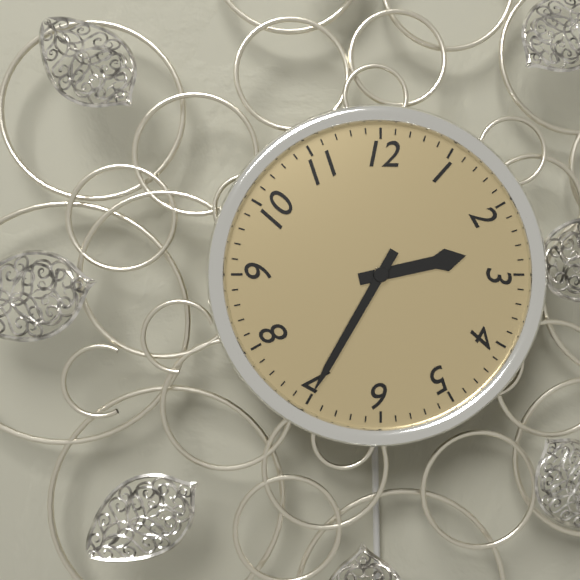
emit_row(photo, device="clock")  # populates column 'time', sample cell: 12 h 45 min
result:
2 h 35 min
